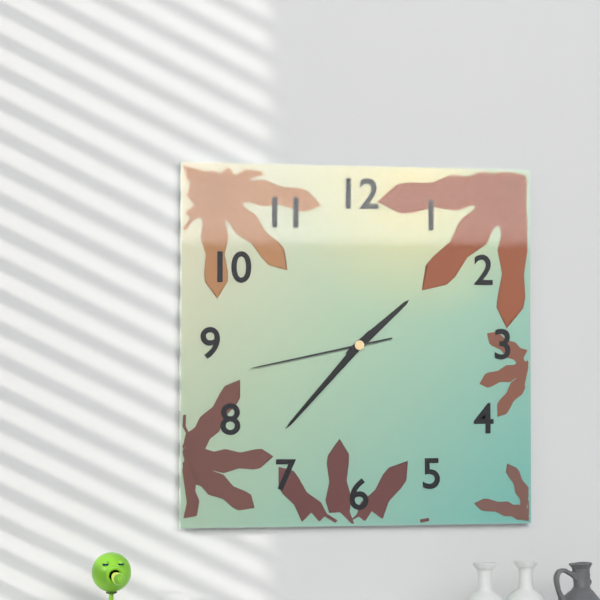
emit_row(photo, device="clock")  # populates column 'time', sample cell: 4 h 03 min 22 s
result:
1 h 37 min 43 s
